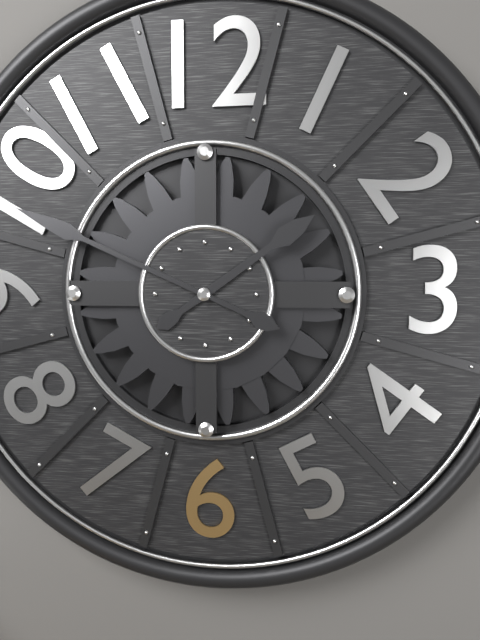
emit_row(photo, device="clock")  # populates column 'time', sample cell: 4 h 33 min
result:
1 h 49 min
